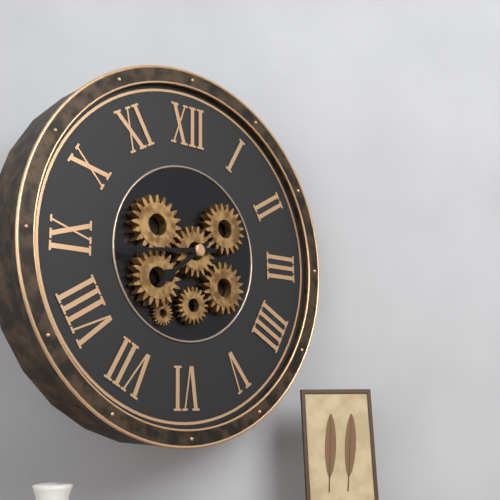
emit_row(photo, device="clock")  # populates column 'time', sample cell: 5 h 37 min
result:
7 h 44 min
